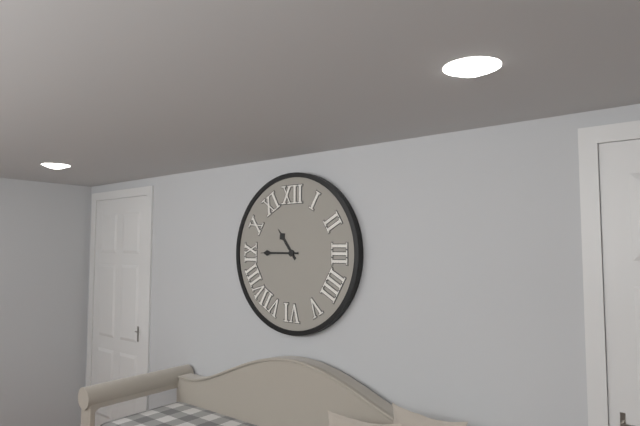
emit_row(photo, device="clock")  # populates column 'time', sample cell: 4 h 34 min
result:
10 h 45 min
